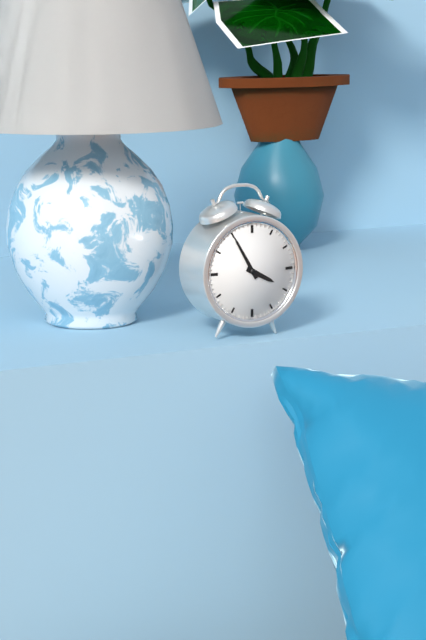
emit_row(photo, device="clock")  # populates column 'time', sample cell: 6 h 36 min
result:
3 h 55 min
